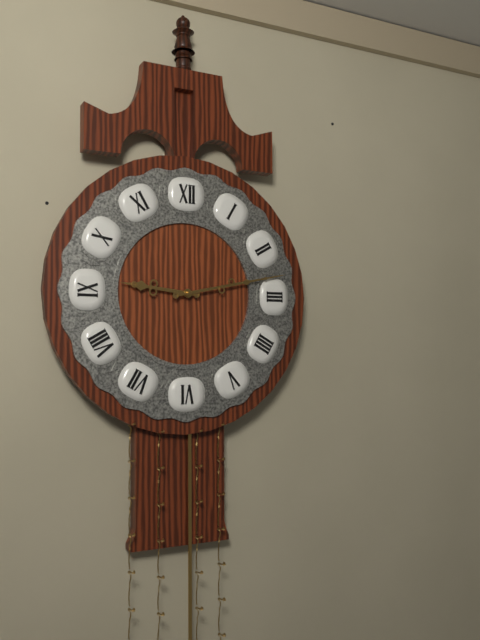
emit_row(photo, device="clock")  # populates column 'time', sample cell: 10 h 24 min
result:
9 h 13 min
